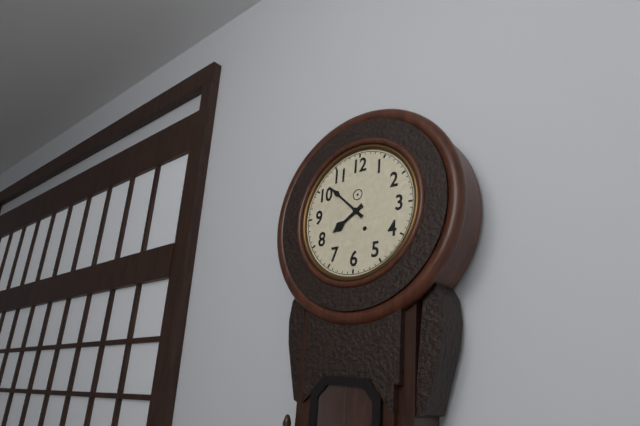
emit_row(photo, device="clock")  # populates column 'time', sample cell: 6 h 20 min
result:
7 h 52 min
